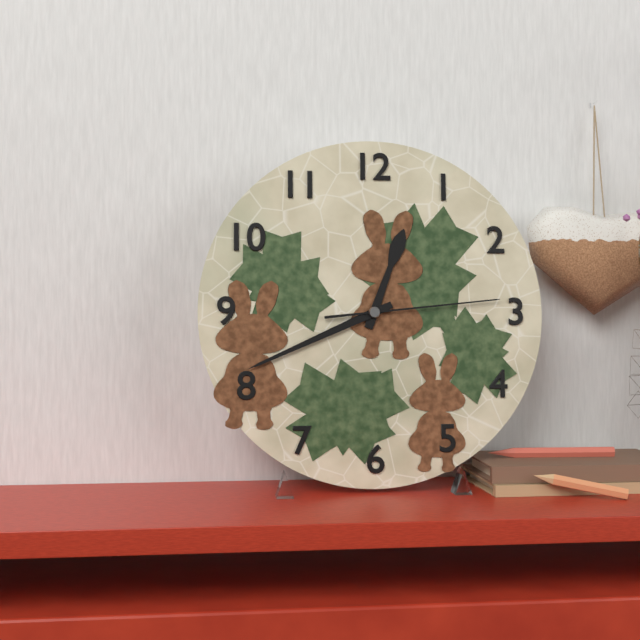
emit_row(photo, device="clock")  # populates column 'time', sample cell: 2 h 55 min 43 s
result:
12 h 41 min 14 s
